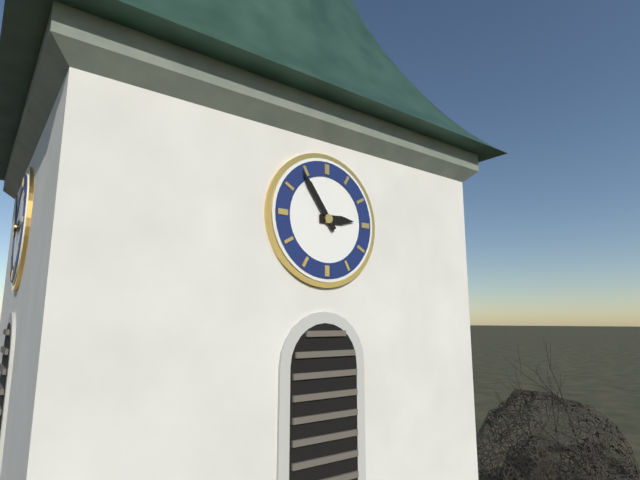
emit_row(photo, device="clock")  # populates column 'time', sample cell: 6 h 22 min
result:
2 h 54 min
